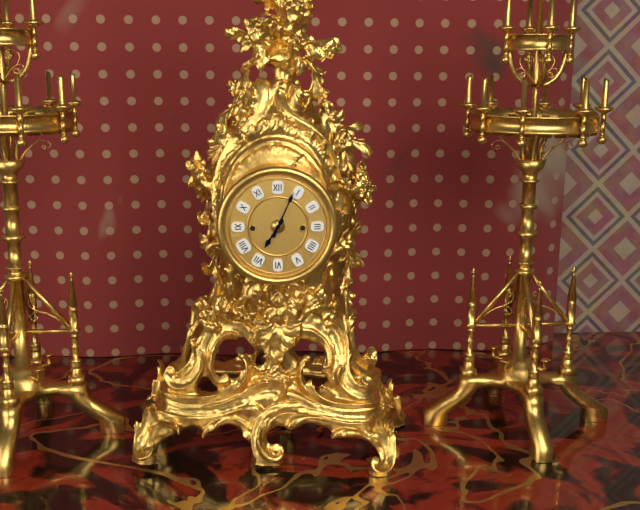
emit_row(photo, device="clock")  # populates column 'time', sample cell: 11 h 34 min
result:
7 h 04 min
